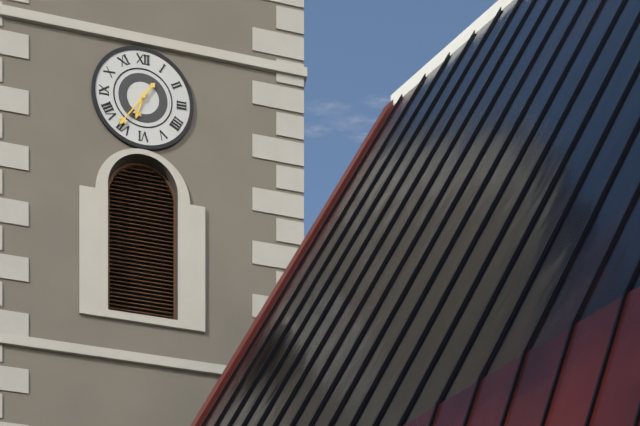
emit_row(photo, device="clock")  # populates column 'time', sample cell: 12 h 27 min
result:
6 h 36 min
